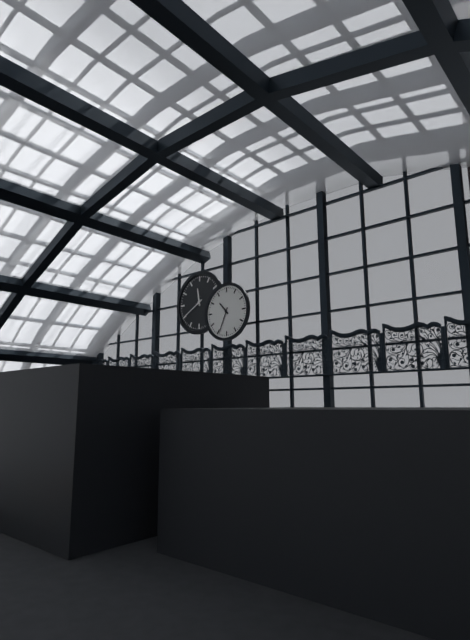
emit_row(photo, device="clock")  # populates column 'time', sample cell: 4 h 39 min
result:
10 h 34 min
